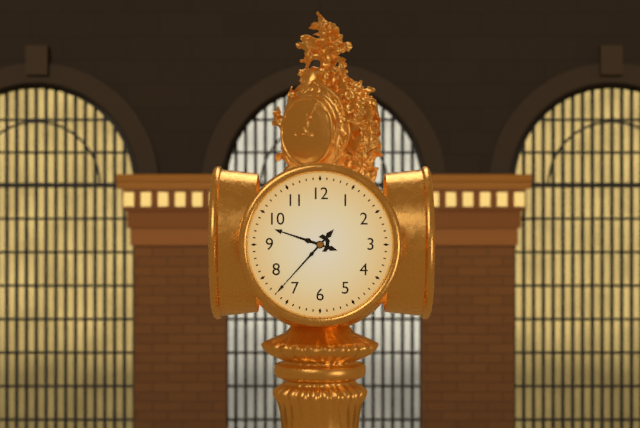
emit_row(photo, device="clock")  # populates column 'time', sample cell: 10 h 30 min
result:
9 h 37 min
